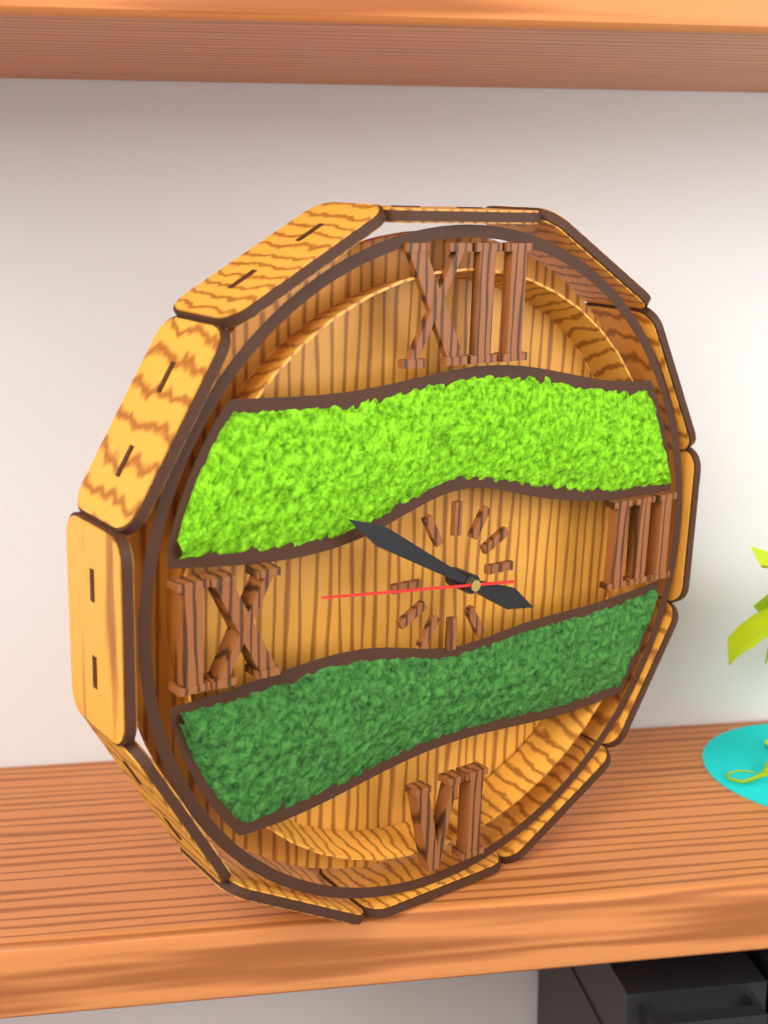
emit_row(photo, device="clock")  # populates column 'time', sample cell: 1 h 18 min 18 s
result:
3 h 50 min 46 s
